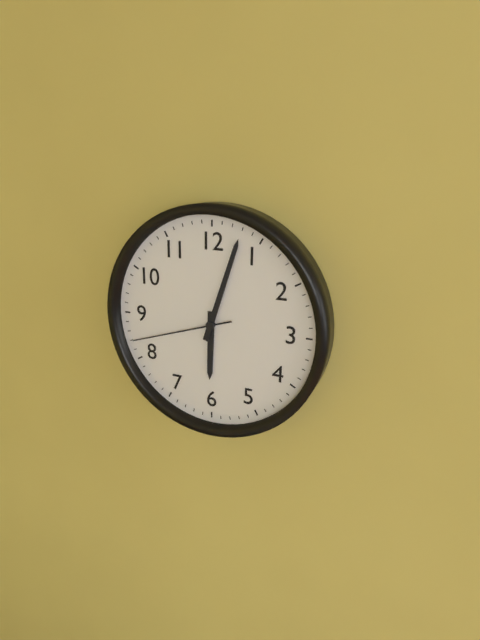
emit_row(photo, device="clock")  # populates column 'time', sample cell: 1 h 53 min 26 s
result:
6 h 03 min 42 s
